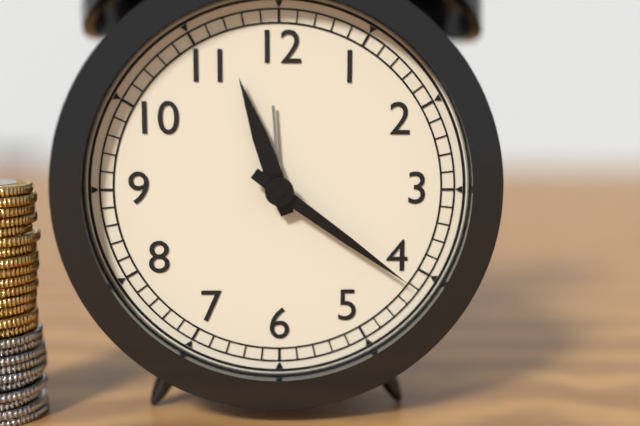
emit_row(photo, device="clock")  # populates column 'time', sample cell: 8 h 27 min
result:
11 h 21 min
